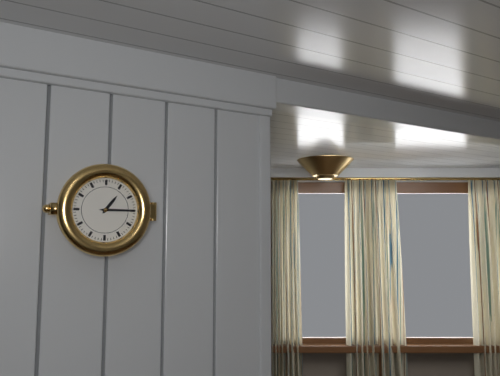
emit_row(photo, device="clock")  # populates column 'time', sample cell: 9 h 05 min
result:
1 h 15 min
